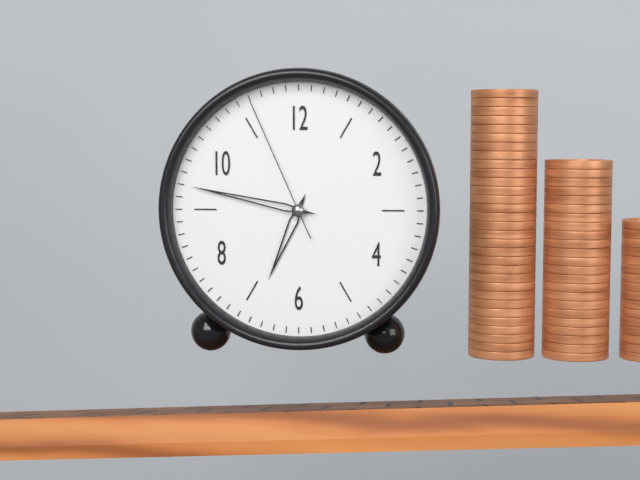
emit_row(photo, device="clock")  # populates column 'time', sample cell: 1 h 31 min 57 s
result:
6 h 47 min 56 s
